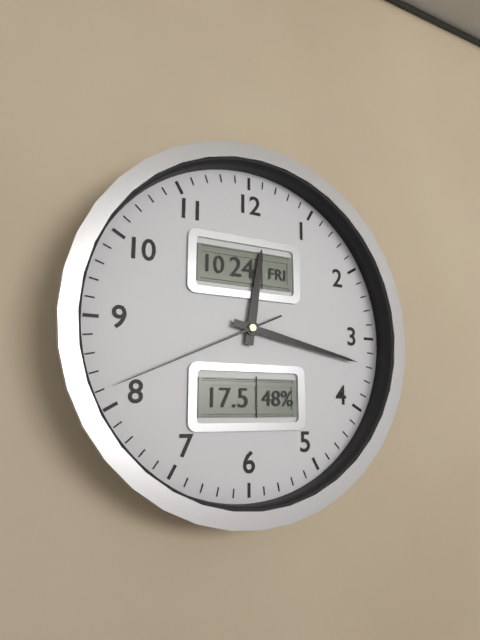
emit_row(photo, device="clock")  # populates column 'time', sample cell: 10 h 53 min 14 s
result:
12 h 17 min 41 s
